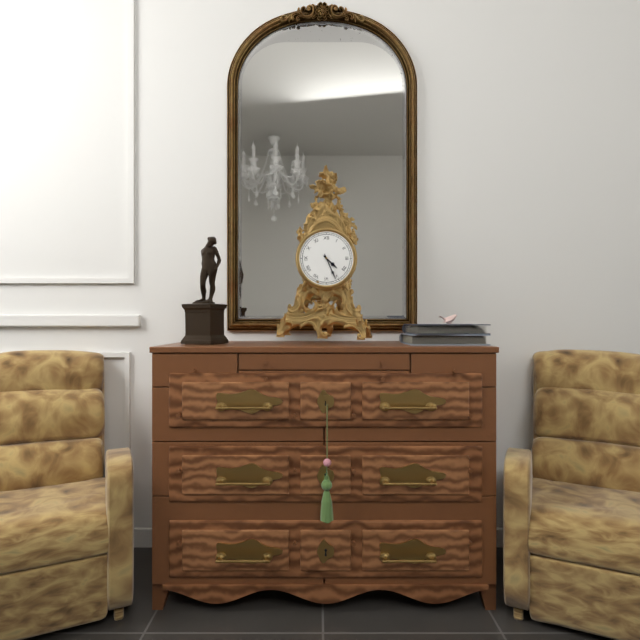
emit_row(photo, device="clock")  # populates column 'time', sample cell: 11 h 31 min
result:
4 h 26 min
